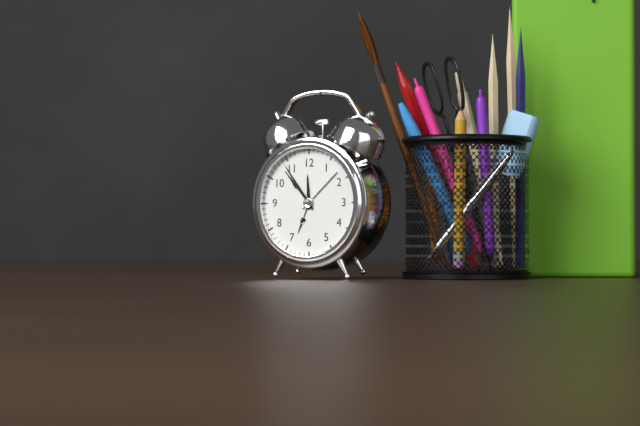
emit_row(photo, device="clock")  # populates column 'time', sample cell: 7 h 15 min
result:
11 h 54 min
